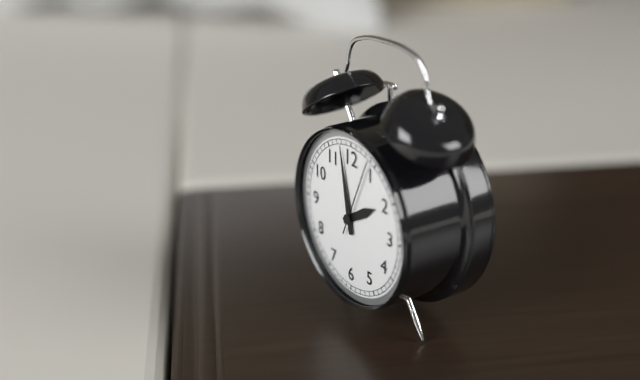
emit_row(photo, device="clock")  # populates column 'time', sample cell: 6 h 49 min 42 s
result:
1 h 58 min 04 s
